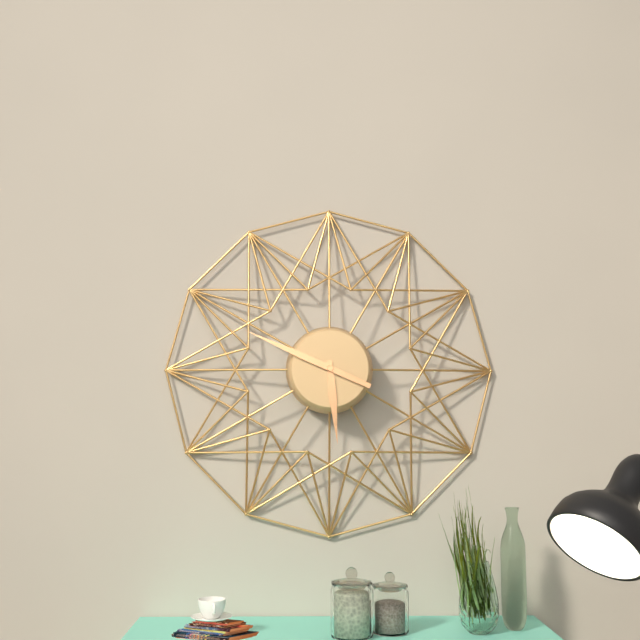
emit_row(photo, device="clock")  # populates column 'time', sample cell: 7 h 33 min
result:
5 h 49 min
